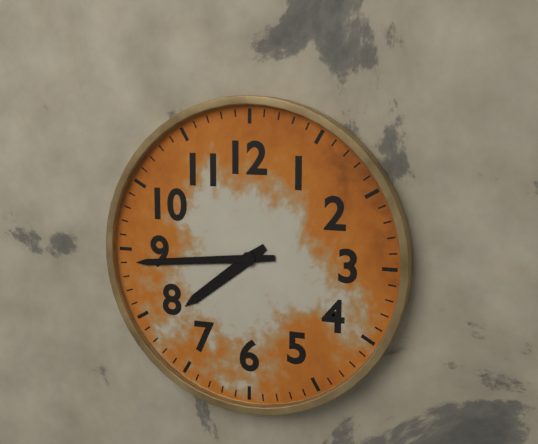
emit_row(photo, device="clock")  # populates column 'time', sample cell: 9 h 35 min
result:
7 h 44 min
